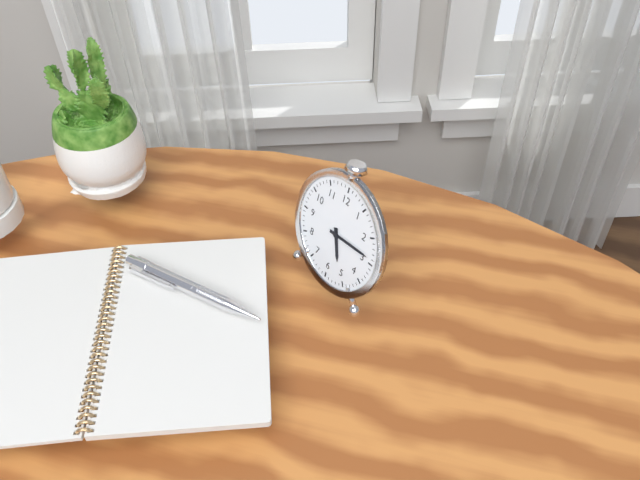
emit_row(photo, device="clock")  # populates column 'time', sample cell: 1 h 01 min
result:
5 h 14 min
